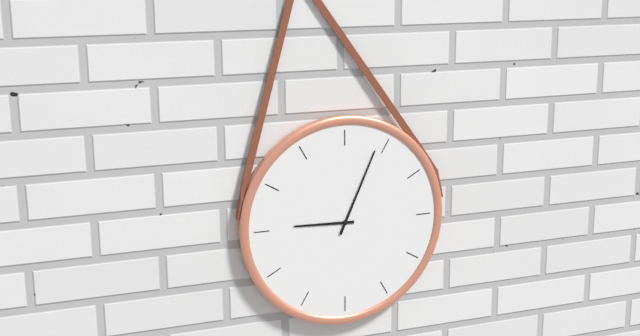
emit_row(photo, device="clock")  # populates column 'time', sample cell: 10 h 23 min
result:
9 h 04 min
